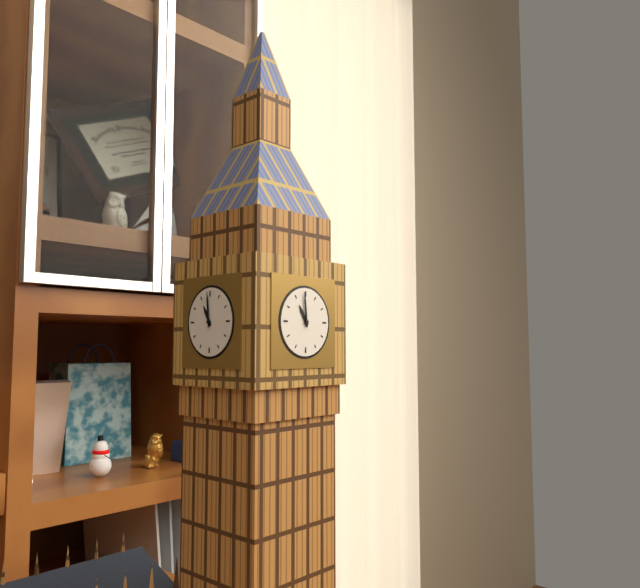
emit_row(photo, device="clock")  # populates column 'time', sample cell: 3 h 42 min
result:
10 h 59 min
